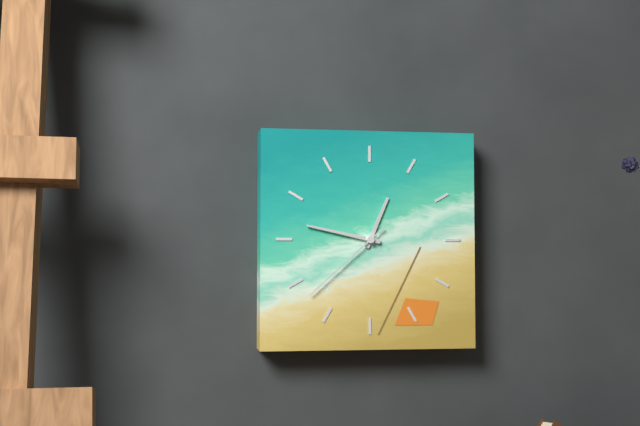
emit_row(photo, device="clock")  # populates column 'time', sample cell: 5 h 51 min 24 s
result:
12 h 47 min 38 s
